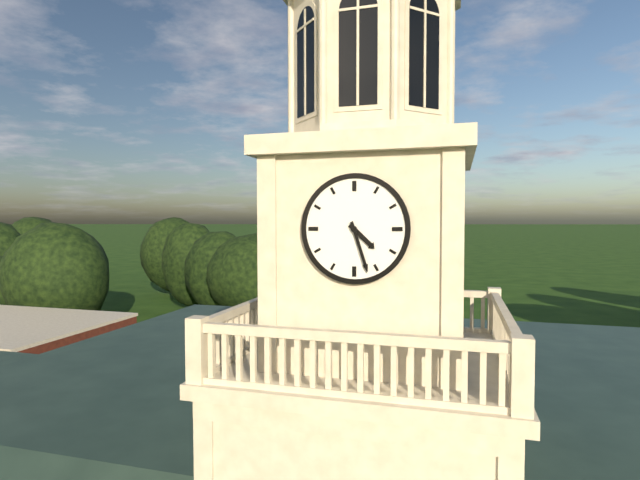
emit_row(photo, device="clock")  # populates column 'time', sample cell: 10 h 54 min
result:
4 h 27 min
